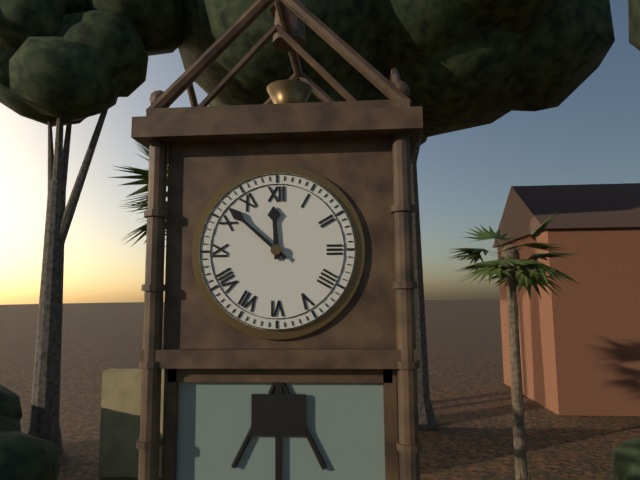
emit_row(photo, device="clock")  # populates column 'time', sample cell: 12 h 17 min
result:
11 h 52 min
